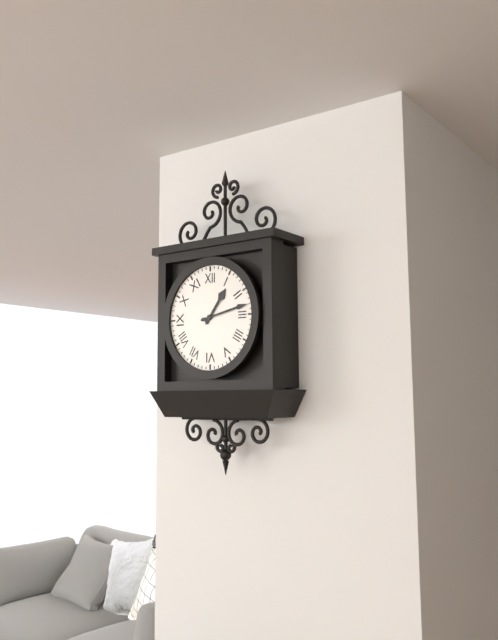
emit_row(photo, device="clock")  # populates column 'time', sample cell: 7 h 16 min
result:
1 h 13 min
